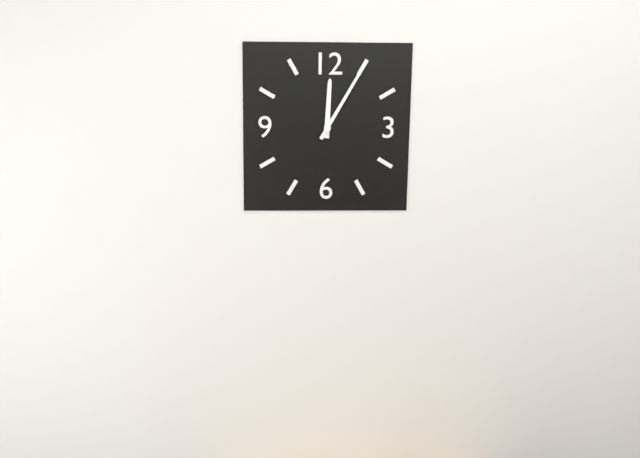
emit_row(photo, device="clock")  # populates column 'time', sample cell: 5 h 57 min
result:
12 h 05 min
